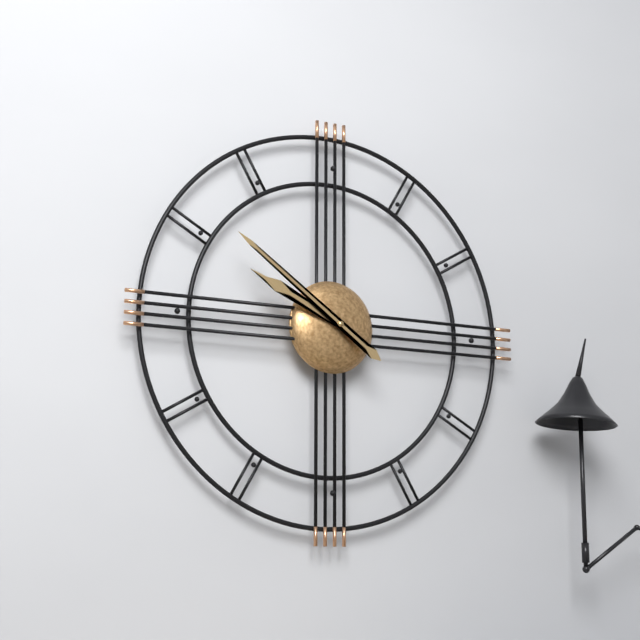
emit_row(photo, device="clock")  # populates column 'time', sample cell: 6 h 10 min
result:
9 h 51 min
